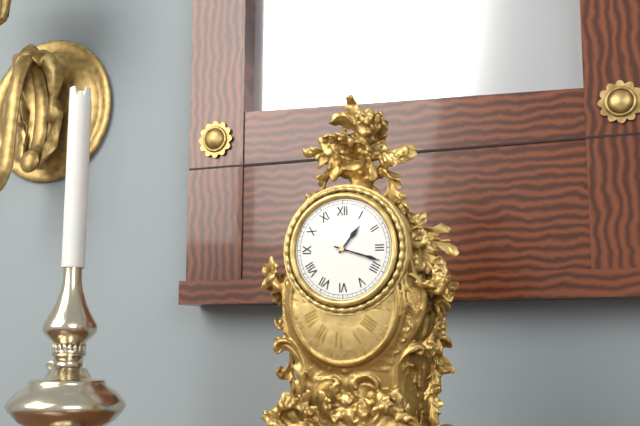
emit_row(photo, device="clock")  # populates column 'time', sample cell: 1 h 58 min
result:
1 h 18 min
